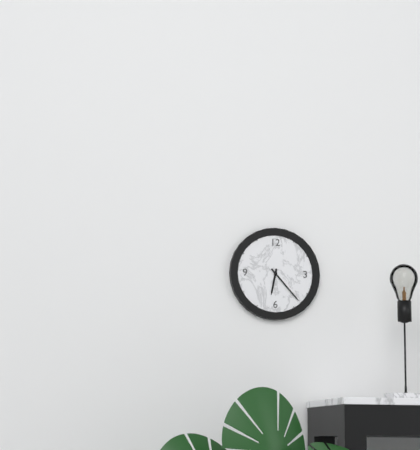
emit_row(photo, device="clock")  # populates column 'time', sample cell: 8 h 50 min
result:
6 h 23 min
